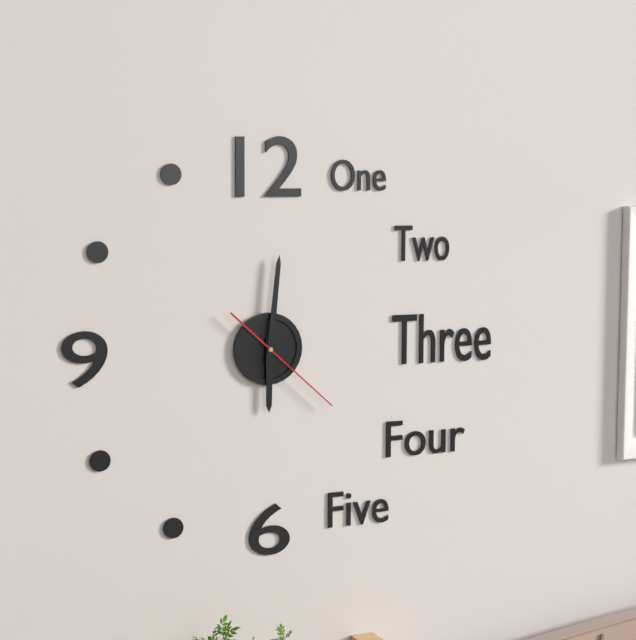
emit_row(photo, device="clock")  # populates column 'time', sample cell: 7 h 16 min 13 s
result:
6 h 01 min 22 s
